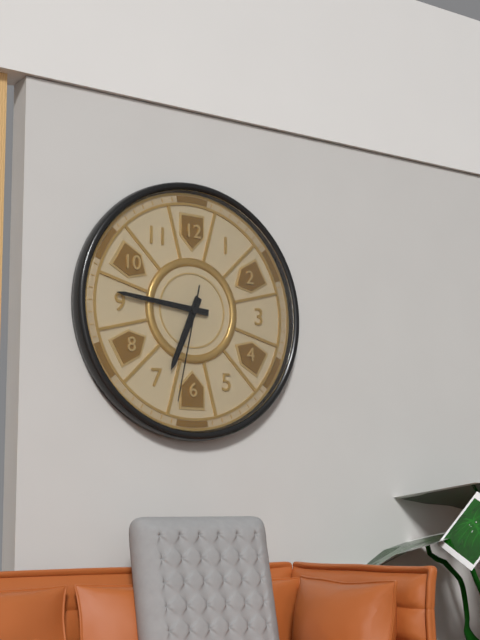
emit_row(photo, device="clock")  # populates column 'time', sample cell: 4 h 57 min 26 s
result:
6 h 46 min 32 s
